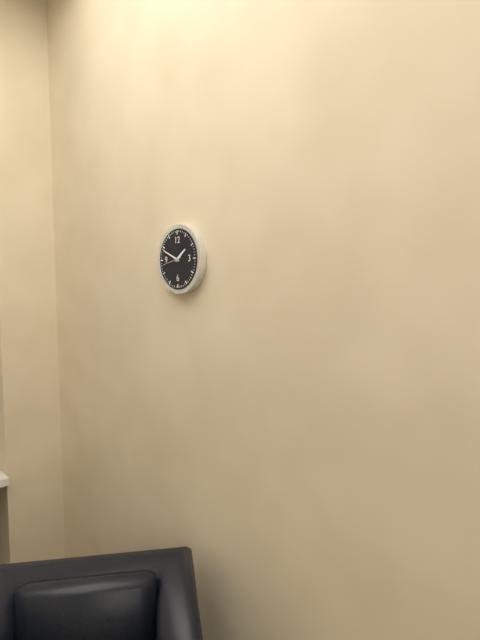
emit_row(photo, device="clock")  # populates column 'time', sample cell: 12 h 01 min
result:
1 h 49 min
